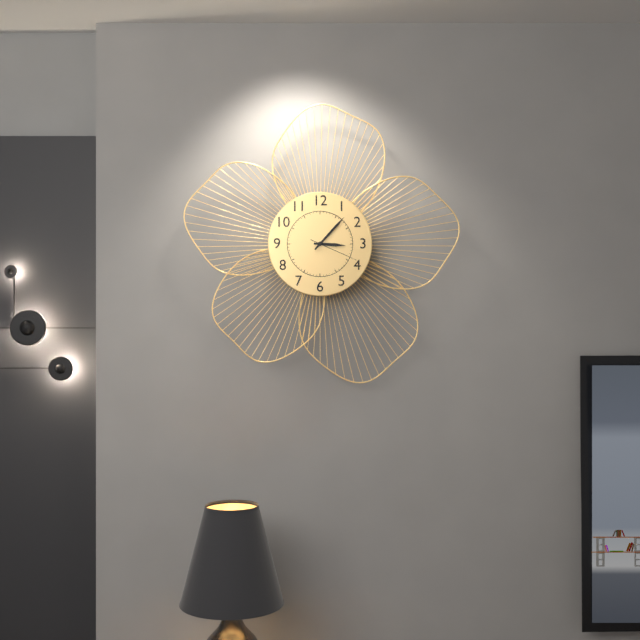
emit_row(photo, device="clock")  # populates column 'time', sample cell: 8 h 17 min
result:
3 h 07 min
